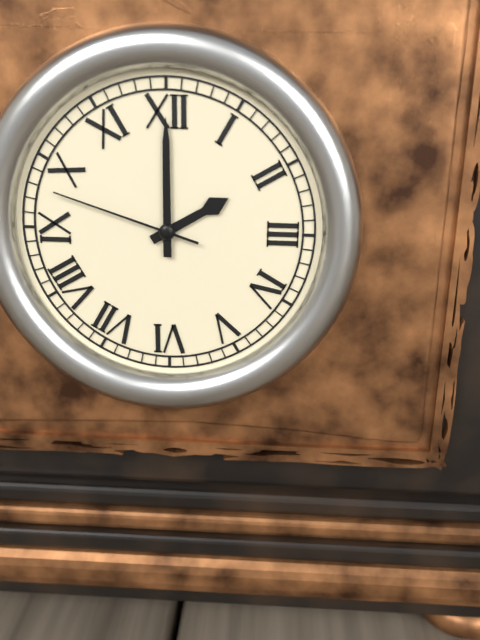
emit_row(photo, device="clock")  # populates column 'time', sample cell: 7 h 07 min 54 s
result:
2 h 00 min 48 s
